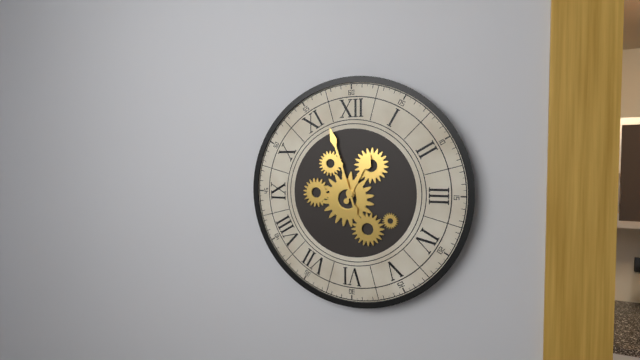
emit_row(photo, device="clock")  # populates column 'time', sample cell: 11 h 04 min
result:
12 h 57 min
